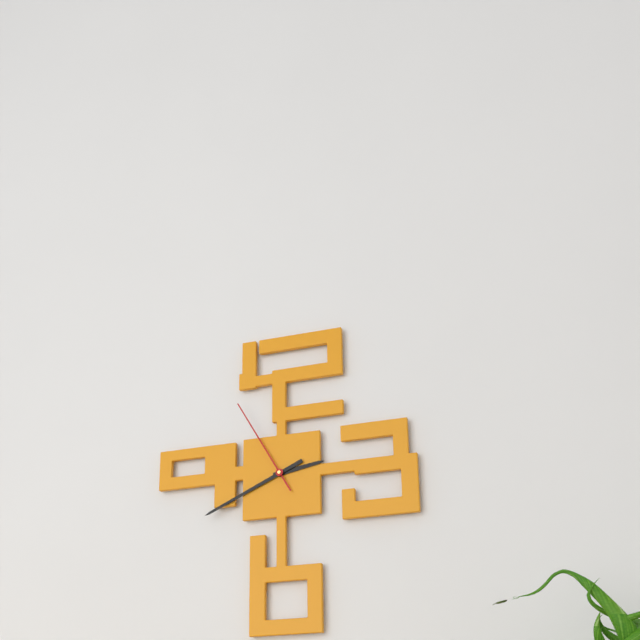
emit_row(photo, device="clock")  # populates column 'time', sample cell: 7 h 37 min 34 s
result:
2 h 41 min 55 s
